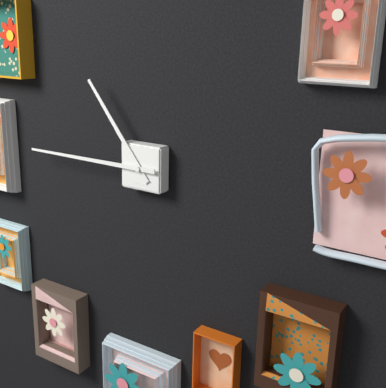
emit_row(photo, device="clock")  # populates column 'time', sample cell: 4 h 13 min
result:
10 h 45 min
